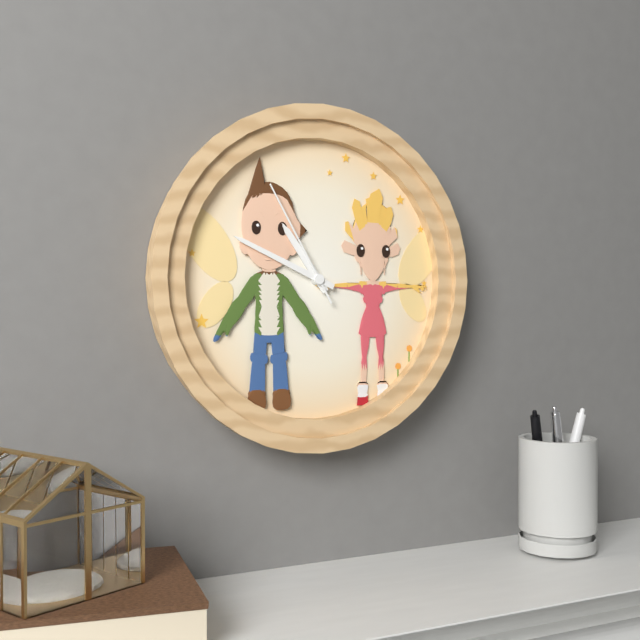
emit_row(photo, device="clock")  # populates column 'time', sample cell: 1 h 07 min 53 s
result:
10 h 49 min 55 s
